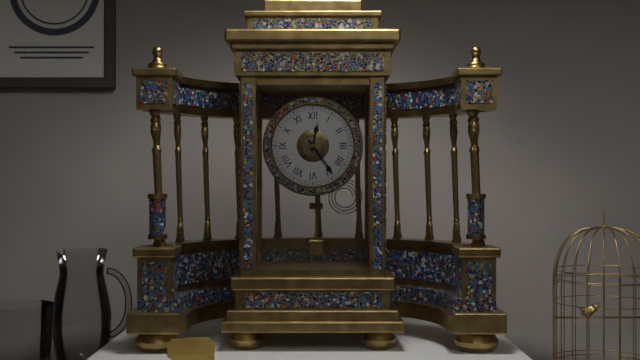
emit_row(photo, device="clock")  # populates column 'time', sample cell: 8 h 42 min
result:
12 h 24 min
